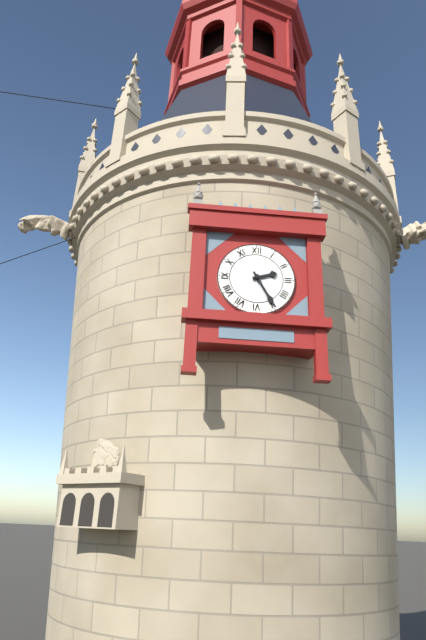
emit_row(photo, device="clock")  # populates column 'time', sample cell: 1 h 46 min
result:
2 h 25 min
